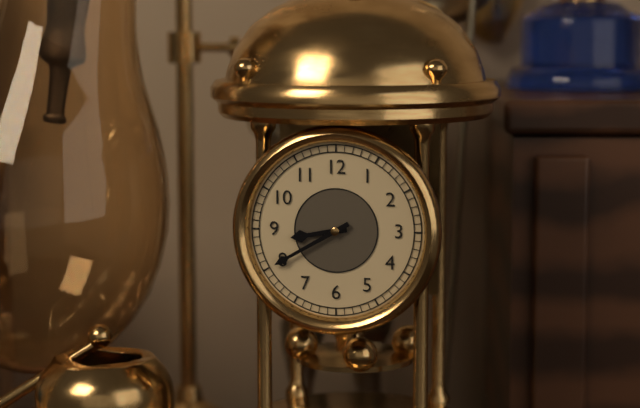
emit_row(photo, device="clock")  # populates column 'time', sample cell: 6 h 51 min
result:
8 h 40 min
